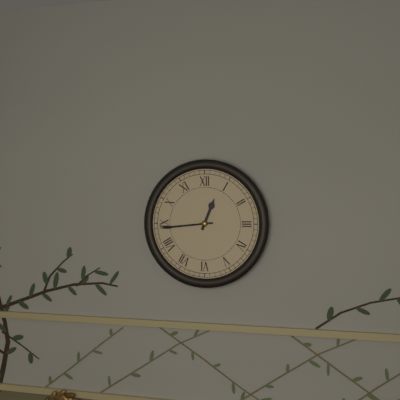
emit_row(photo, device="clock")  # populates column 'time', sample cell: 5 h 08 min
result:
12 h 44 min
